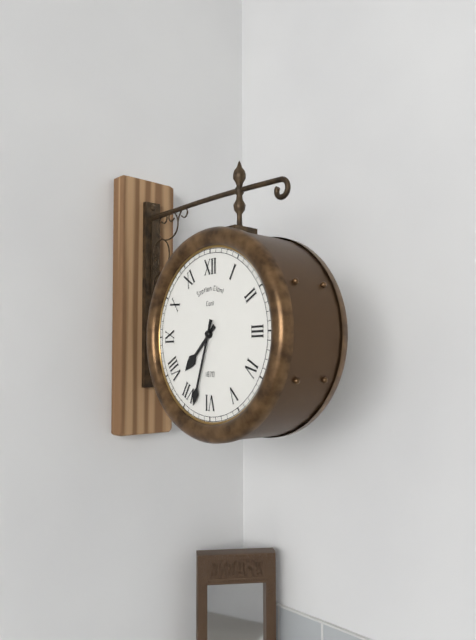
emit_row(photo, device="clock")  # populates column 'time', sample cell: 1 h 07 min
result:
7 h 33 min
